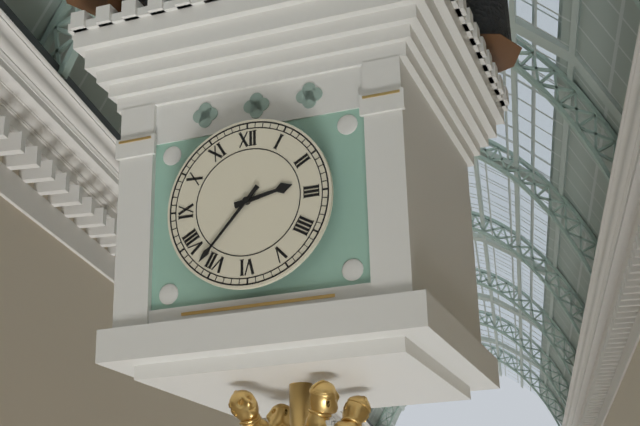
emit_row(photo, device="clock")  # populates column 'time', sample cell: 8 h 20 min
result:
2 h 37 min
